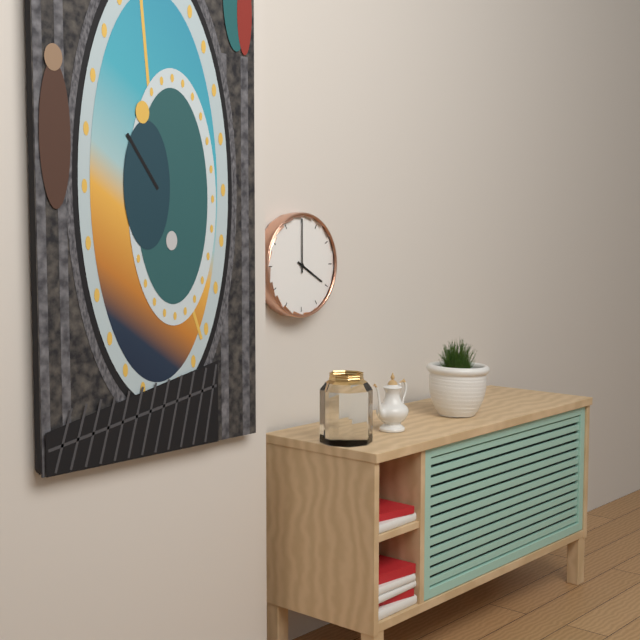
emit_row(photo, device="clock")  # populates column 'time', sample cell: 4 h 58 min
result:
4 h 00 min
